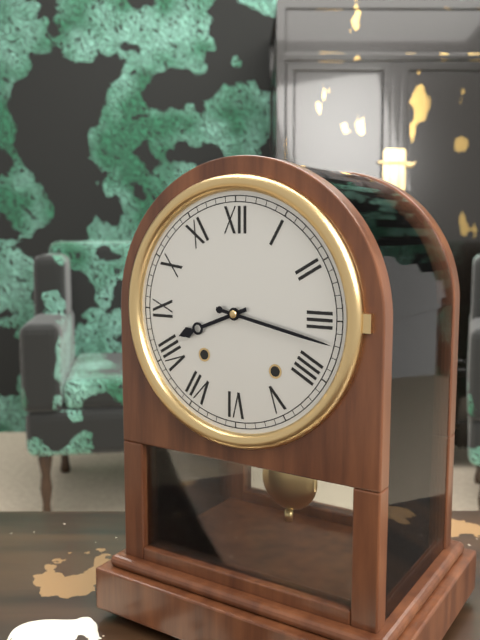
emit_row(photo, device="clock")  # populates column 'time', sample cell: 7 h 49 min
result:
8 h 17 min
